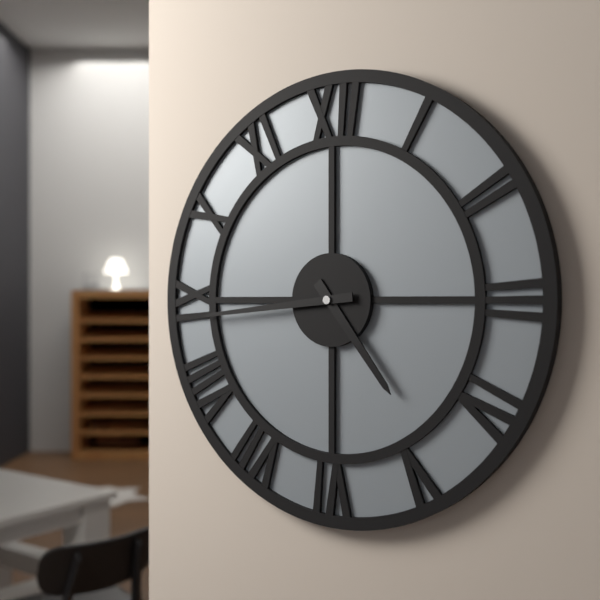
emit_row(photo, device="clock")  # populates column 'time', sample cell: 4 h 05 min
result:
4 h 44 min
